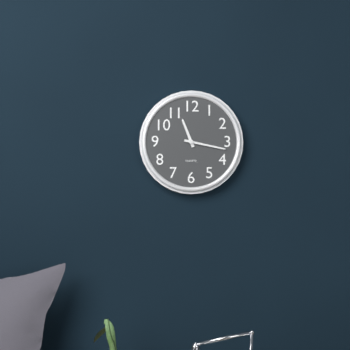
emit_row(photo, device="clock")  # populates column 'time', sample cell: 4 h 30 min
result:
11 h 17 min
